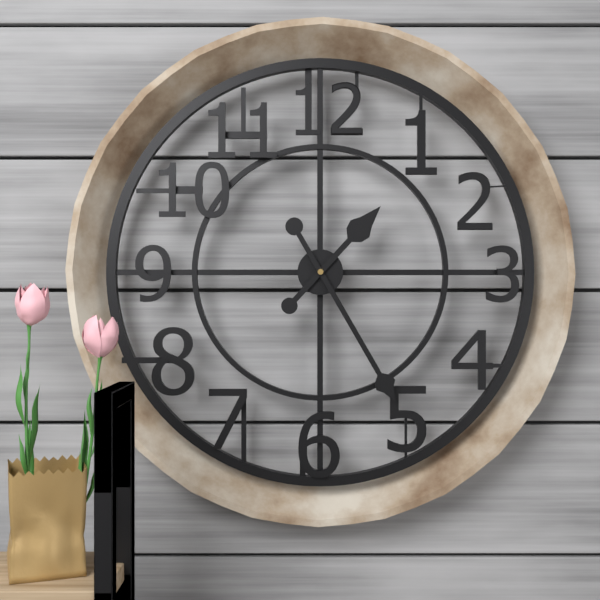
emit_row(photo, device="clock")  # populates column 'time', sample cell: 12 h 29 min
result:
1 h 25 min
